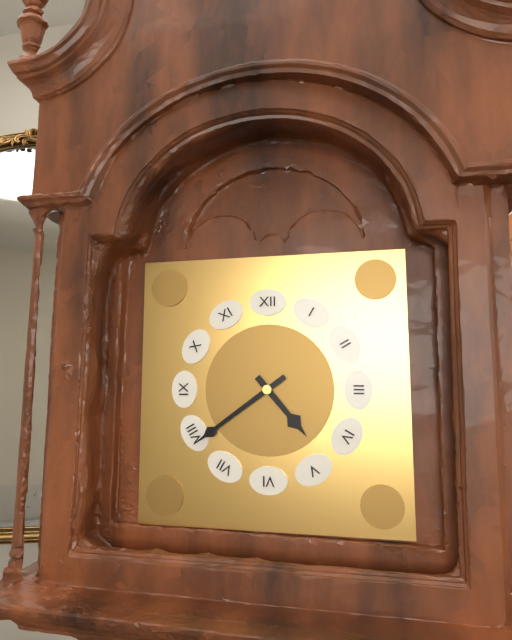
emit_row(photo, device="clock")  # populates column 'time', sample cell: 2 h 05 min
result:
4 h 39 min
